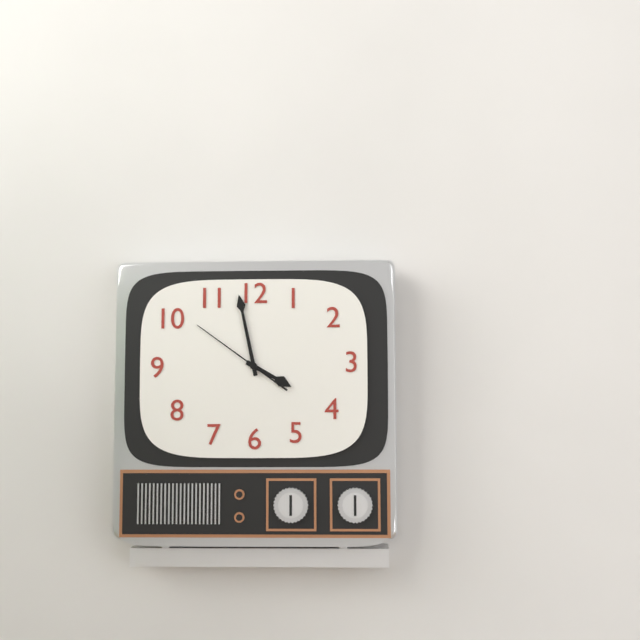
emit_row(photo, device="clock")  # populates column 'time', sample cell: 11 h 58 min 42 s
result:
3 h 58 min 51 s
